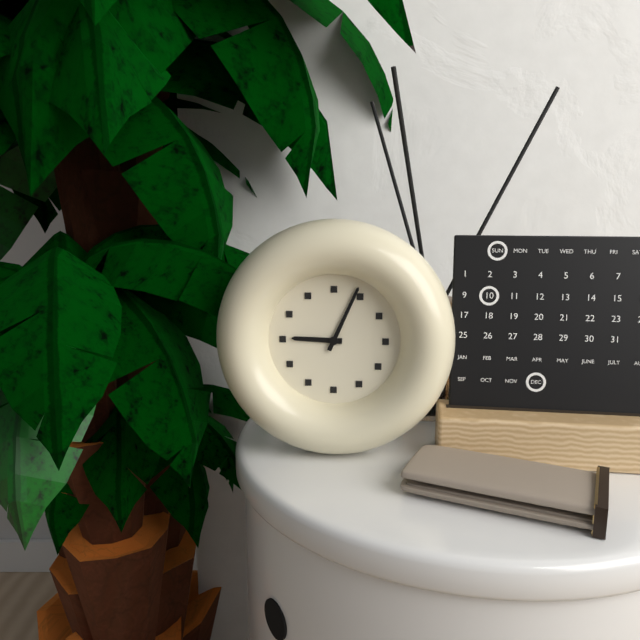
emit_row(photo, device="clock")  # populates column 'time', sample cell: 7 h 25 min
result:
9 h 04 min
